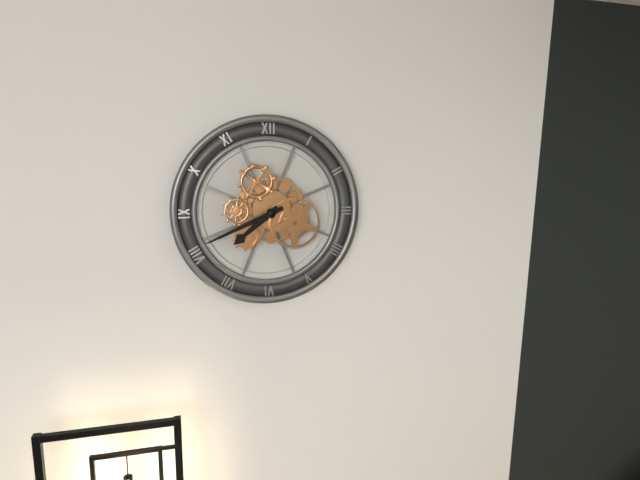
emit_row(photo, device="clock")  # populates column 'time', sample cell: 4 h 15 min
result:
7 h 41 min
